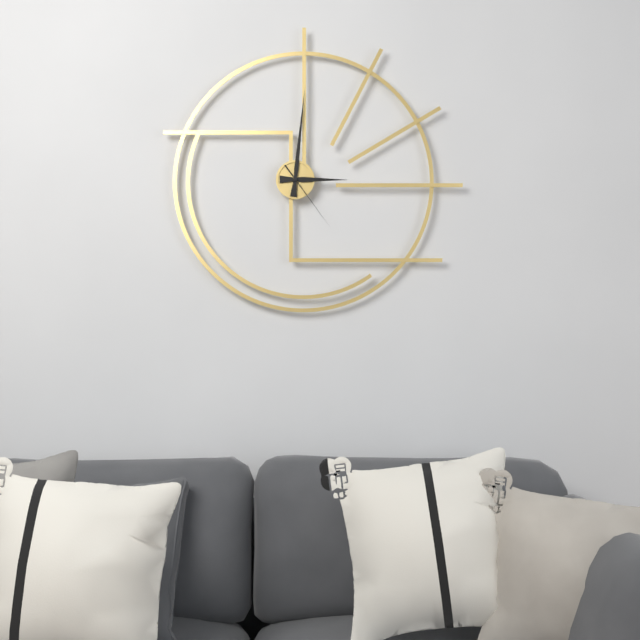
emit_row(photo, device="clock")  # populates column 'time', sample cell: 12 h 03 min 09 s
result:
3 h 01 min 24 s
